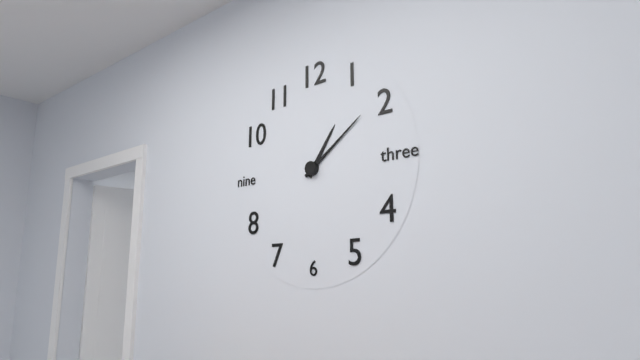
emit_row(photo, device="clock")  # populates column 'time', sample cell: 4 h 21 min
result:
1 h 09 min
